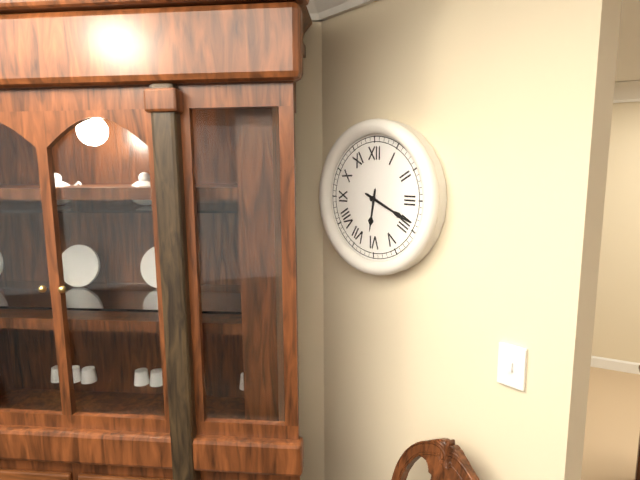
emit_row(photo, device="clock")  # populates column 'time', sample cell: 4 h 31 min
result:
6 h 19 min
